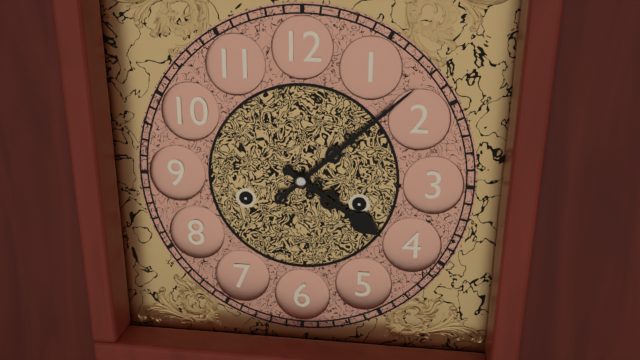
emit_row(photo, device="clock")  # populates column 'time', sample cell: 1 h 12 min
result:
4 h 08 min
